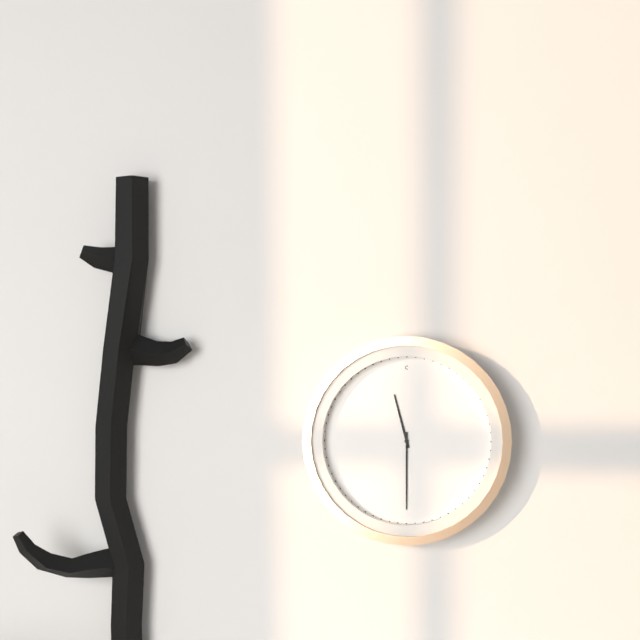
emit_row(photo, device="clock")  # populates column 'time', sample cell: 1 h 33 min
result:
11 h 30 min
